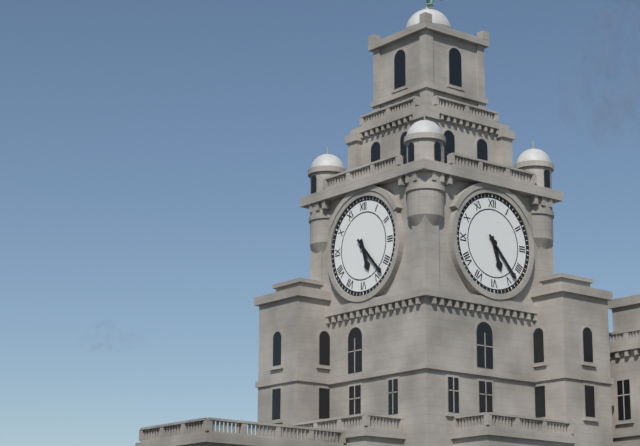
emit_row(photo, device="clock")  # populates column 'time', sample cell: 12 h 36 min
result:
5 h 23 min
